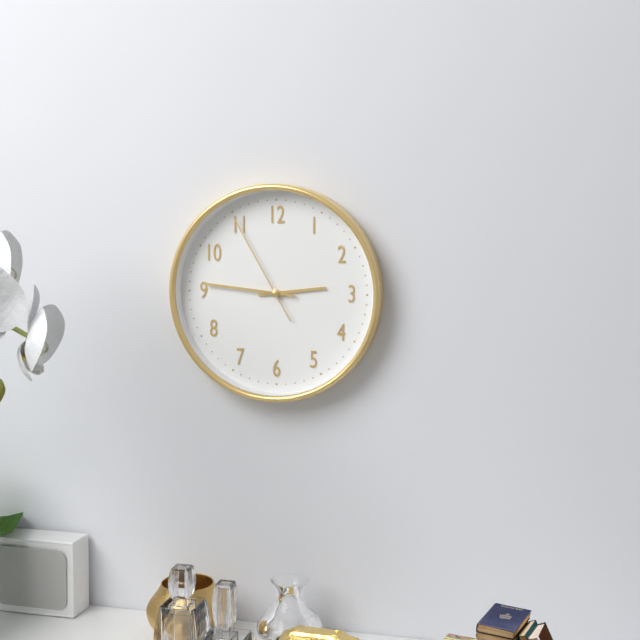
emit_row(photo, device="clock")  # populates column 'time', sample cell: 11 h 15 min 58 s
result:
2 h 46 min 55 s
